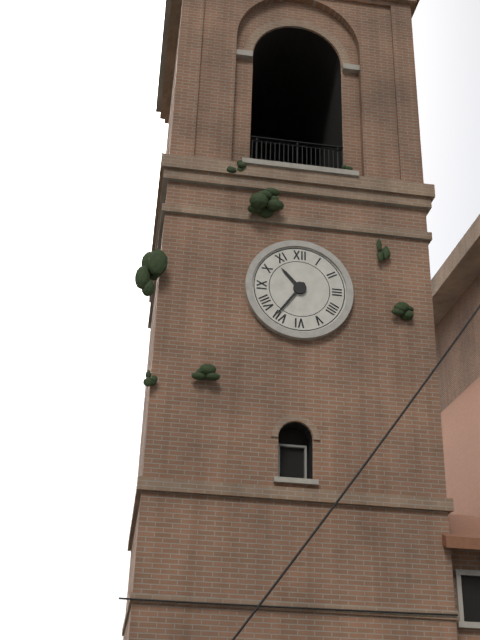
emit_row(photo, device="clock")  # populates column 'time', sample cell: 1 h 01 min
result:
10 h 36 min
